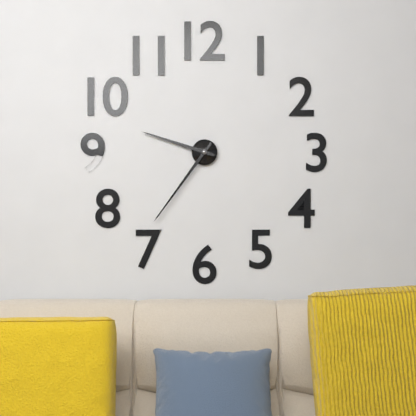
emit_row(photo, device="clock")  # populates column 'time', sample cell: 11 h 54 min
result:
9 h 36 min
